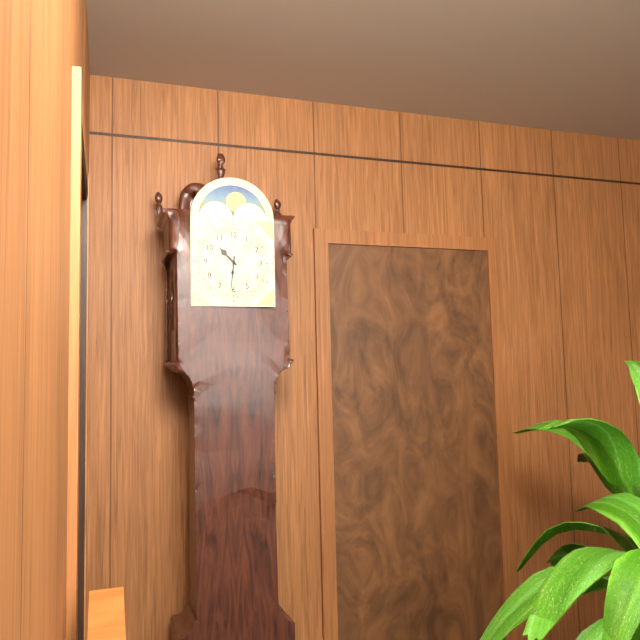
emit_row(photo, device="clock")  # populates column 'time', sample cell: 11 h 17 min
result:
10 h 31 min
